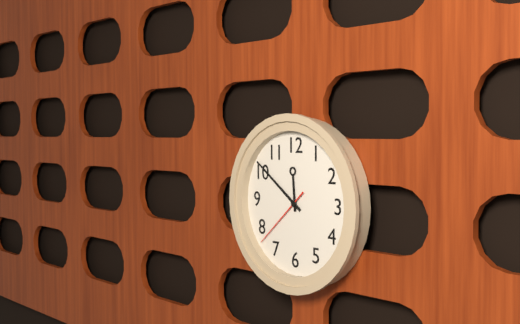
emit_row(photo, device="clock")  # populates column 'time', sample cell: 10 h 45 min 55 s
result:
11 h 51 min 38 s
